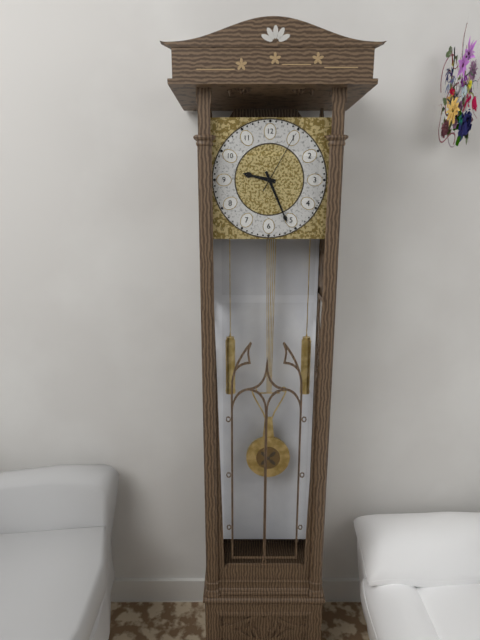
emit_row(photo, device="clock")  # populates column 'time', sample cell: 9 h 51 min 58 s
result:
9 h 26 min 05 s
